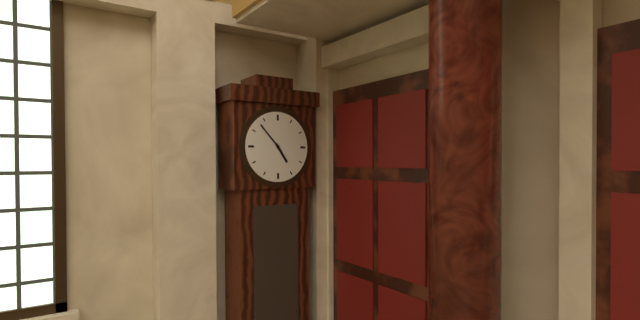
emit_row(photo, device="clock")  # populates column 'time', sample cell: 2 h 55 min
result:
4 h 53 min
